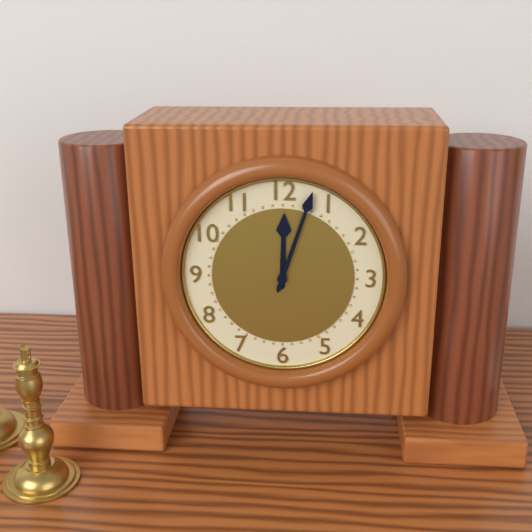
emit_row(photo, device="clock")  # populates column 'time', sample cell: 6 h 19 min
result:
12 h 03 min
